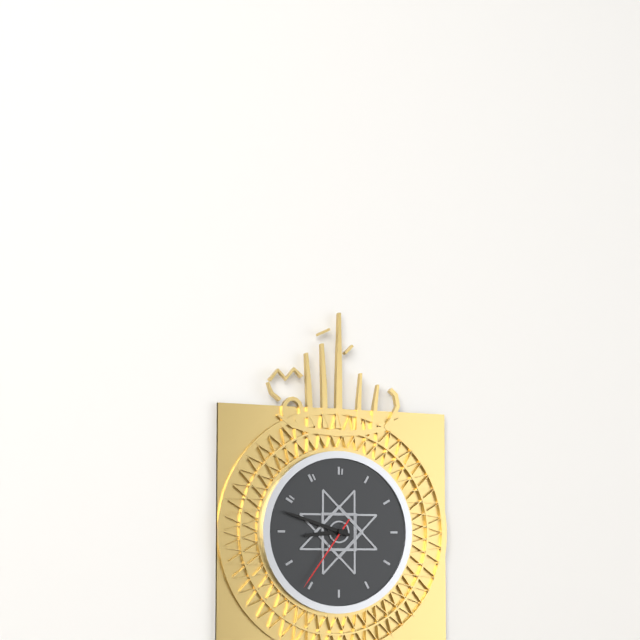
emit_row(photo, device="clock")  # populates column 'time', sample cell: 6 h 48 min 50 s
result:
8 h 48 min 36 s
